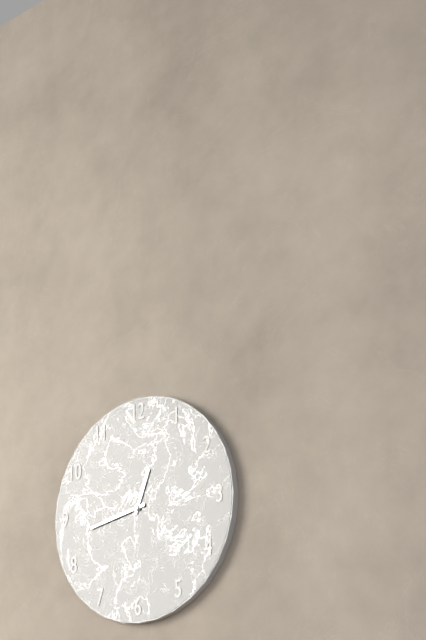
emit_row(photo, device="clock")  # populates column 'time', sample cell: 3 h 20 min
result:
12 h 43 min
